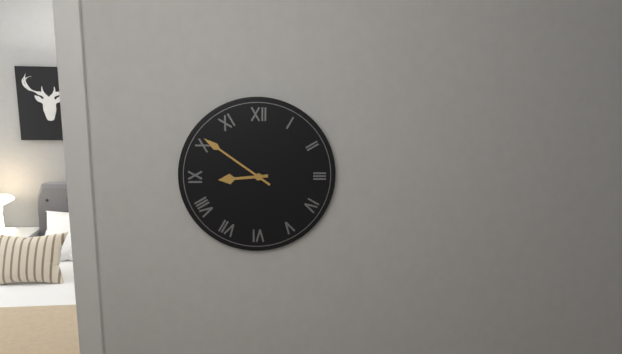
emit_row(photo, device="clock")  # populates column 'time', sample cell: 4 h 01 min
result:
8 h 51 min
